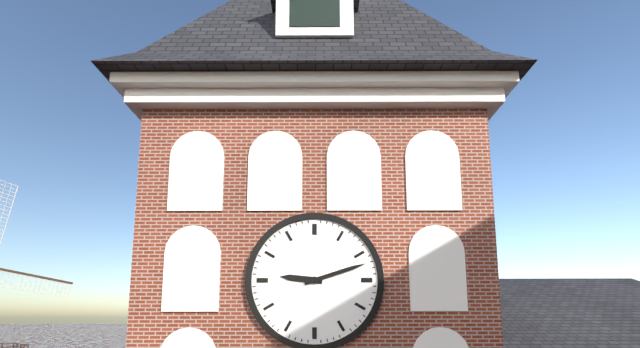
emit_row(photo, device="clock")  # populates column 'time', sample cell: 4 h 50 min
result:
9 h 12 min
